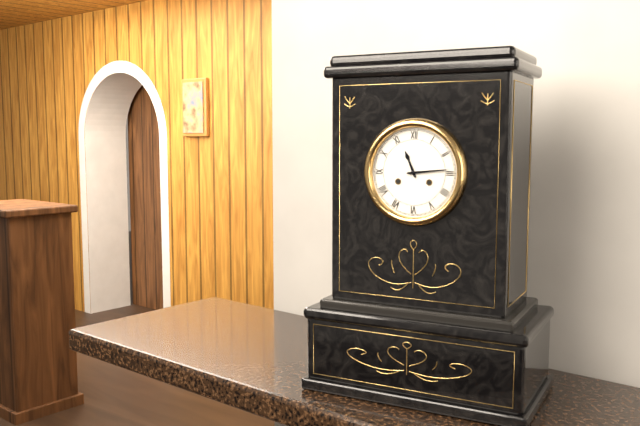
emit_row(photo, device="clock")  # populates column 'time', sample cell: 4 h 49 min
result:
11 h 14 min
